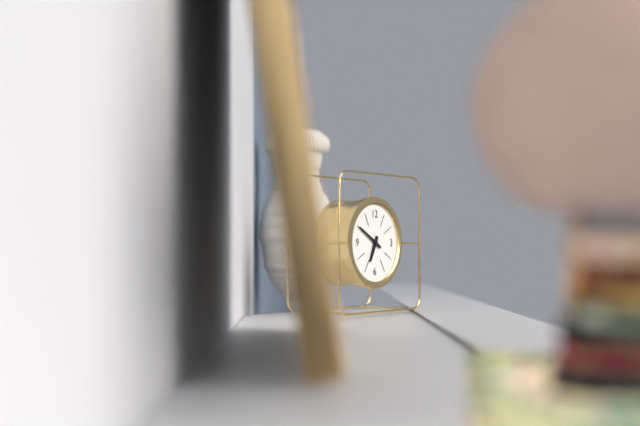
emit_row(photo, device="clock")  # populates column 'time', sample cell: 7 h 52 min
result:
6 h 50 min
